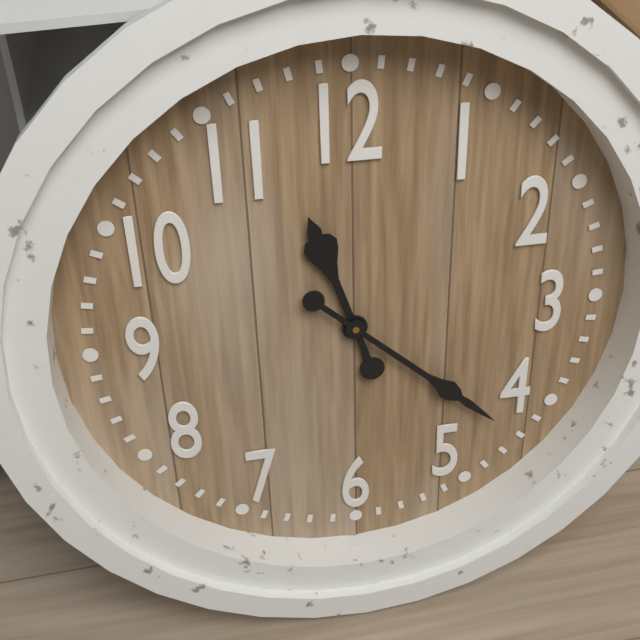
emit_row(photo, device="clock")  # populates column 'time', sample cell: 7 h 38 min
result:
11 h 22 min
